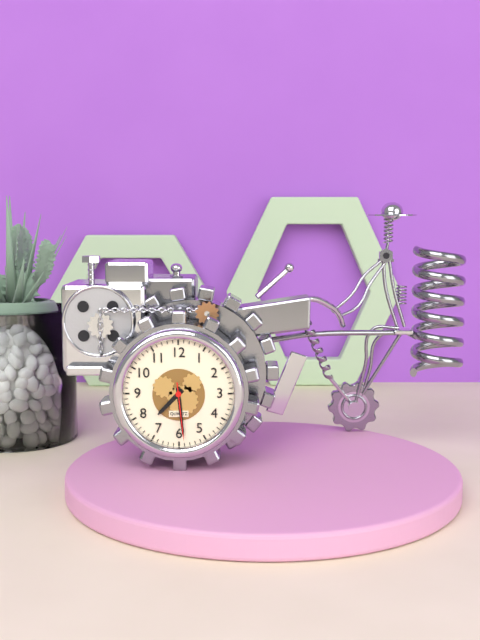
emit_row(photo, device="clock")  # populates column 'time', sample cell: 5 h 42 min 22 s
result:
7 h 29 min 29 s
